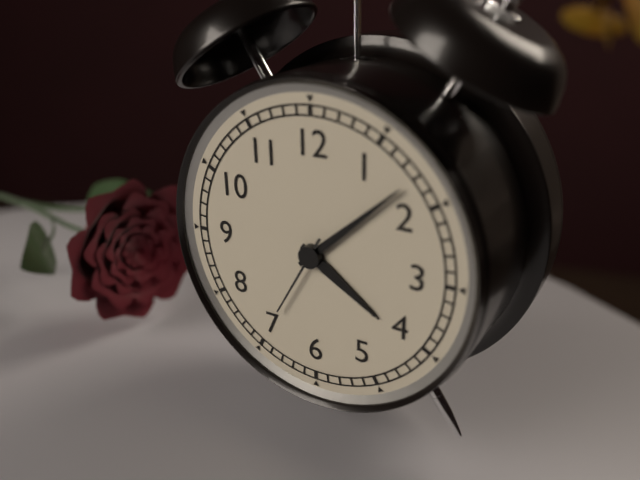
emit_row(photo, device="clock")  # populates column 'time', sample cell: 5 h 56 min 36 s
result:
4 h 08 min 35 s
